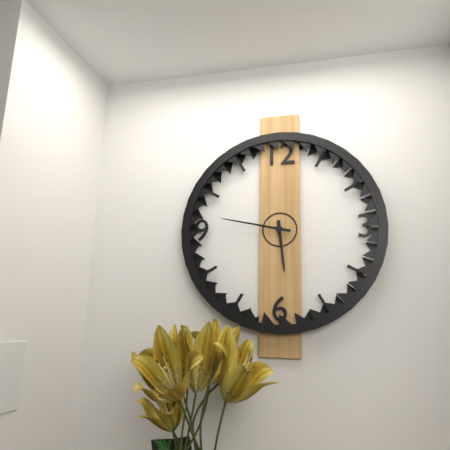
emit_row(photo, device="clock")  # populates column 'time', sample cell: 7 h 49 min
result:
5 h 47 min
